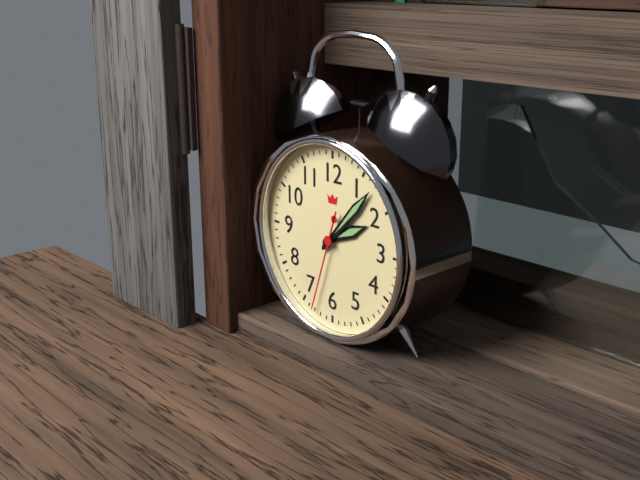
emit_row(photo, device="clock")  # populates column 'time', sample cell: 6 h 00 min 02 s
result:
2 h 07 min 33 s
